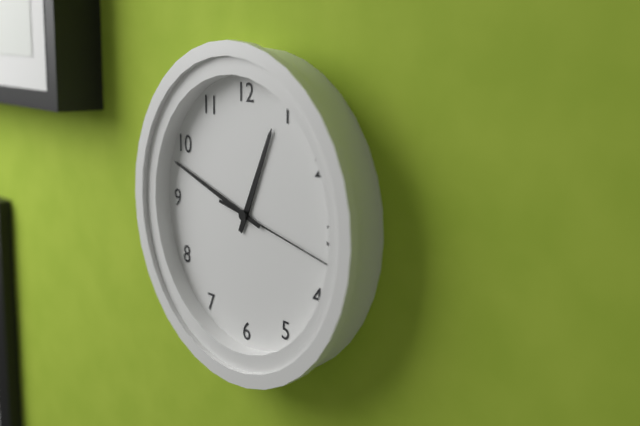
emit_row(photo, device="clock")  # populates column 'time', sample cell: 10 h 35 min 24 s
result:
12 h 48 min 17 s
